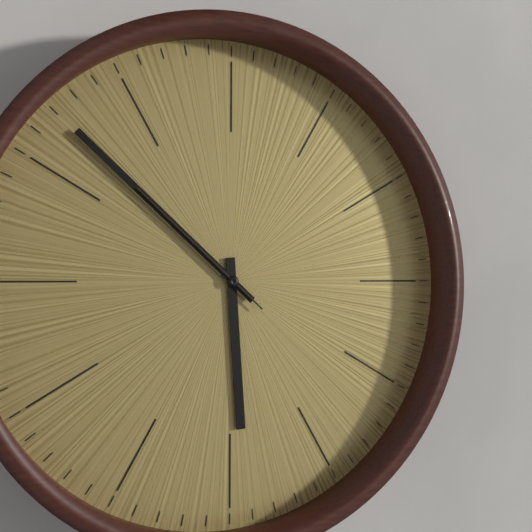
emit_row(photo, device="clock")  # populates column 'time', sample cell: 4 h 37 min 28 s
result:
5 h 52 min 52 s
